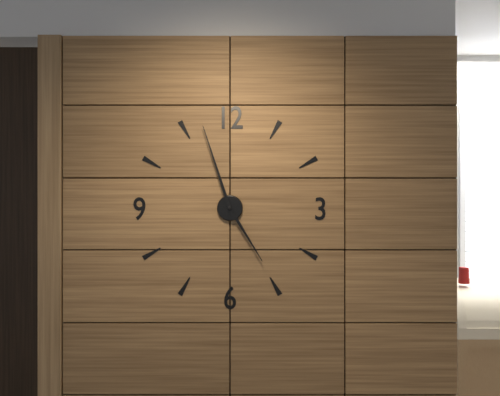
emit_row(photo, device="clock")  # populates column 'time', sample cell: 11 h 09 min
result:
4 h 57 min
